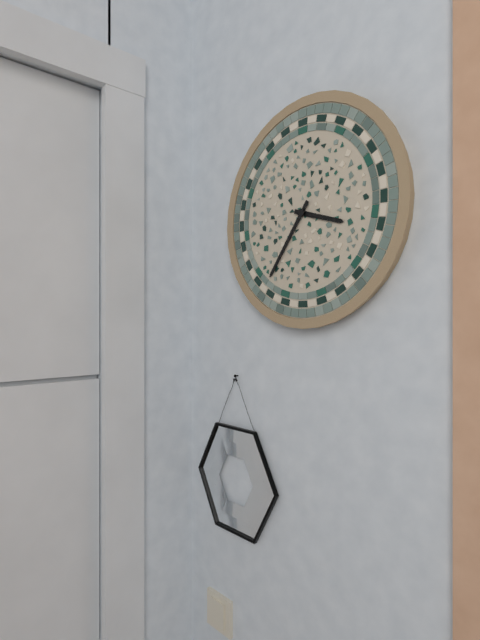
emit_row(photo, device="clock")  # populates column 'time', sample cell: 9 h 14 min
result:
3 h 36 min
